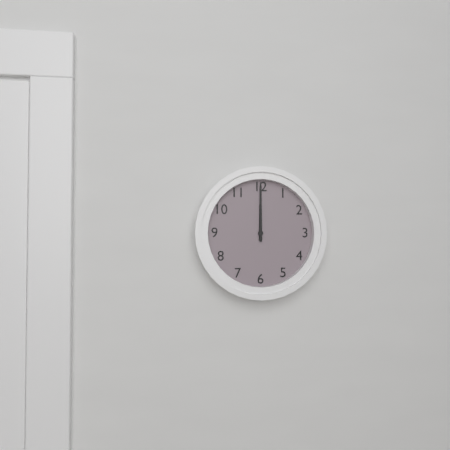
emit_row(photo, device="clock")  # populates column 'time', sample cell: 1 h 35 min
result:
12 h 00 min
